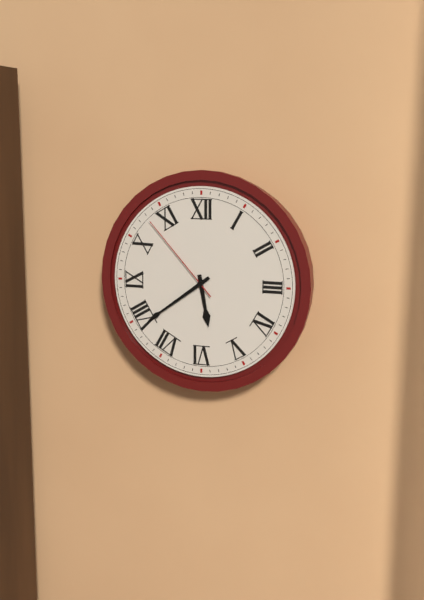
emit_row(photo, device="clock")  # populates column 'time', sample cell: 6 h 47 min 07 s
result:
5 h 39 min 53 s
